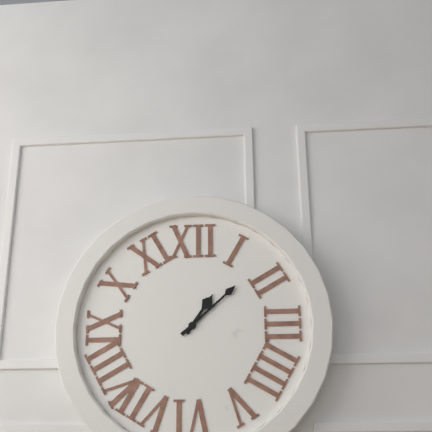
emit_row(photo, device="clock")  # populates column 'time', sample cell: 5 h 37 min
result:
1 h 08 min
